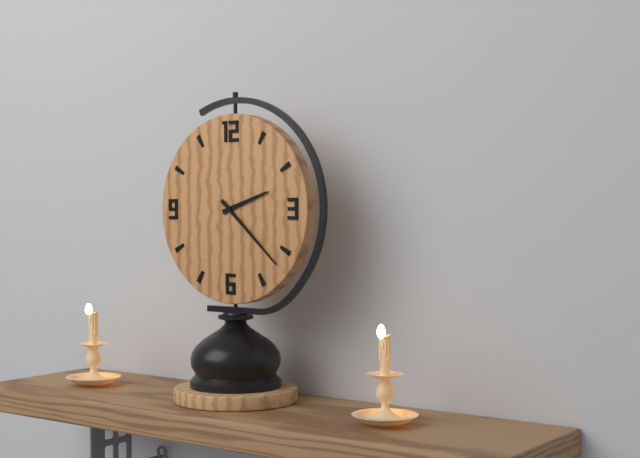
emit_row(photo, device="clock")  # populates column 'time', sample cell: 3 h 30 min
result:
2 h 22 min
